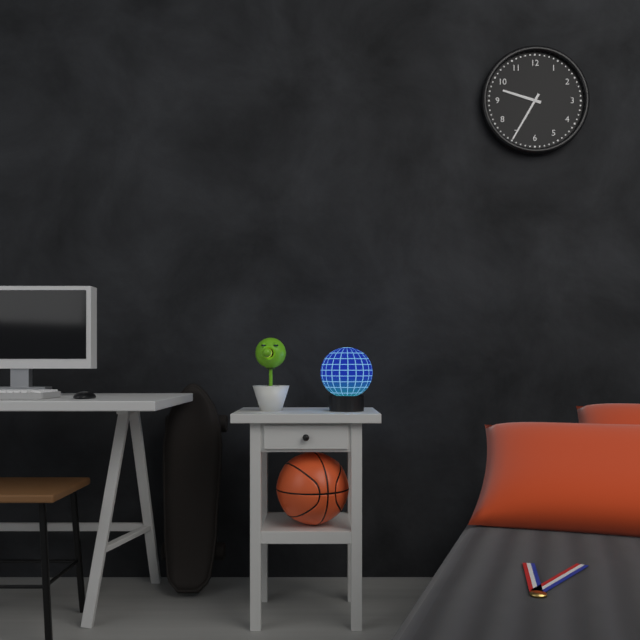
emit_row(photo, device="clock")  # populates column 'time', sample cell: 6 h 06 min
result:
9 h 35 min
